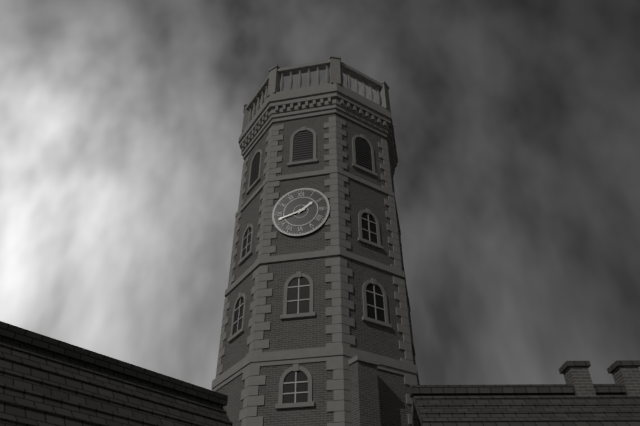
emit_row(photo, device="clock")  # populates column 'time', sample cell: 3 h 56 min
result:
1 h 42 min
